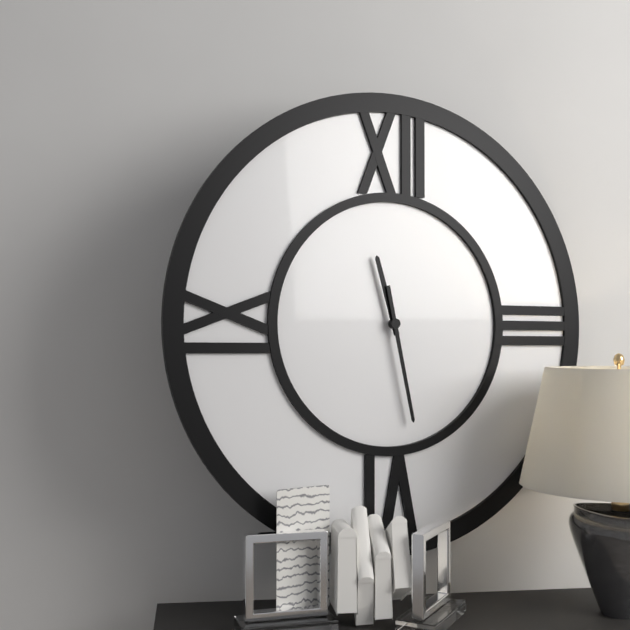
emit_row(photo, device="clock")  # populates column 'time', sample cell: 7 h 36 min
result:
11 h 28 min
